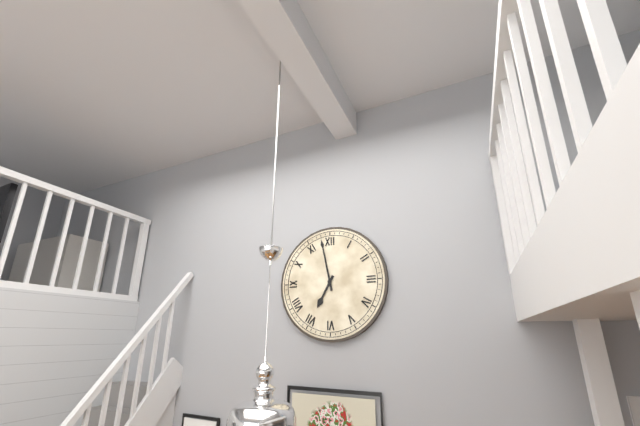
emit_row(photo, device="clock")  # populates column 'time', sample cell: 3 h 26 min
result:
6 h 58 min
